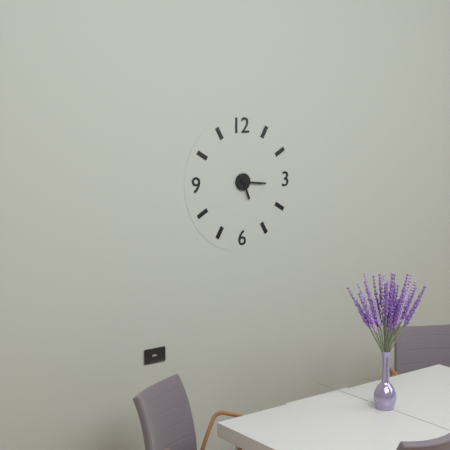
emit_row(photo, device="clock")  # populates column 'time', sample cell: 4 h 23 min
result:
5 h 16 min
